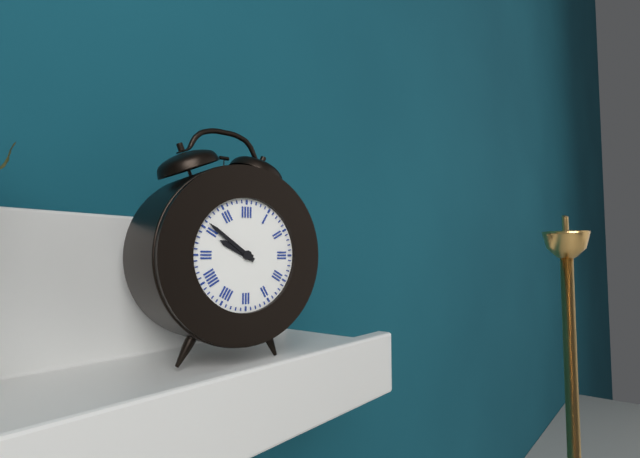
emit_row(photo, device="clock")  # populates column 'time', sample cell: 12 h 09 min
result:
9 h 51 min
